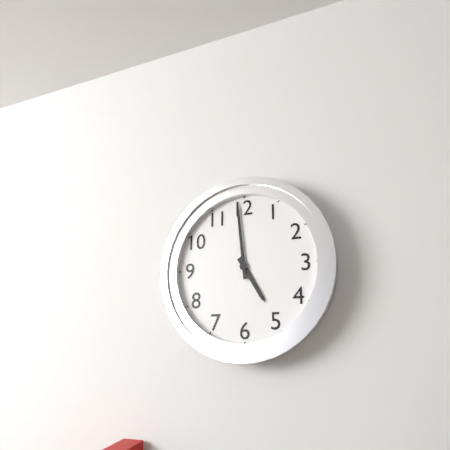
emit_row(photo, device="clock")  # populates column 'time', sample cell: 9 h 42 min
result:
4 h 59 min
